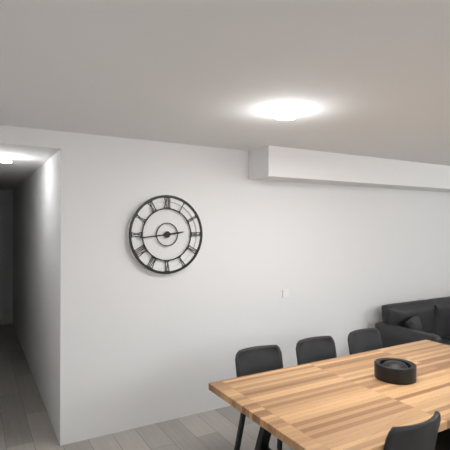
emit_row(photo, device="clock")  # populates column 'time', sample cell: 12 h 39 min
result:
2 h 44 min
